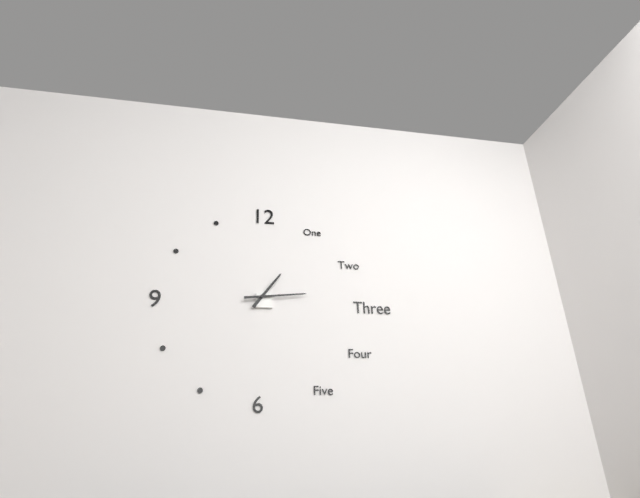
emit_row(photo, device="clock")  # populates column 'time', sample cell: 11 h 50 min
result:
1 h 14 min
